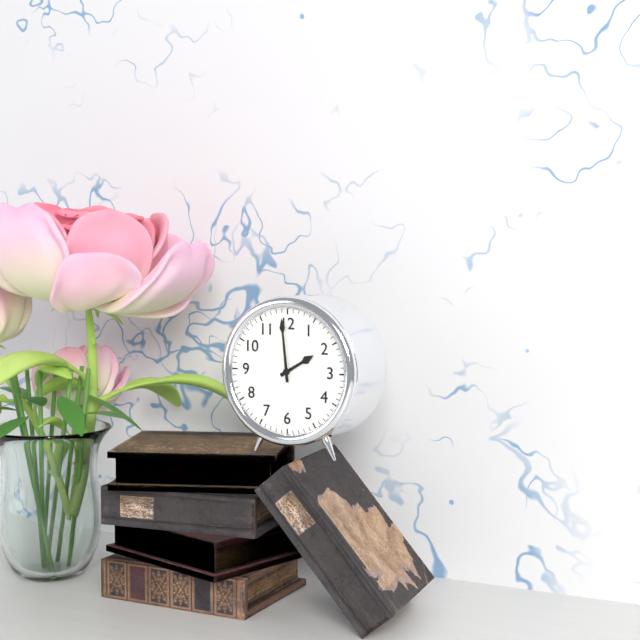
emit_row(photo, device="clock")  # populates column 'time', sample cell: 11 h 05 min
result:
1 h 59 min
